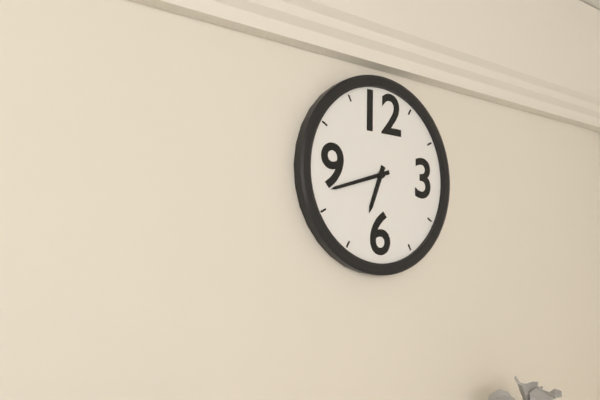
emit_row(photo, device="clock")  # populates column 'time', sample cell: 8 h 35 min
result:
6 h 42 min
